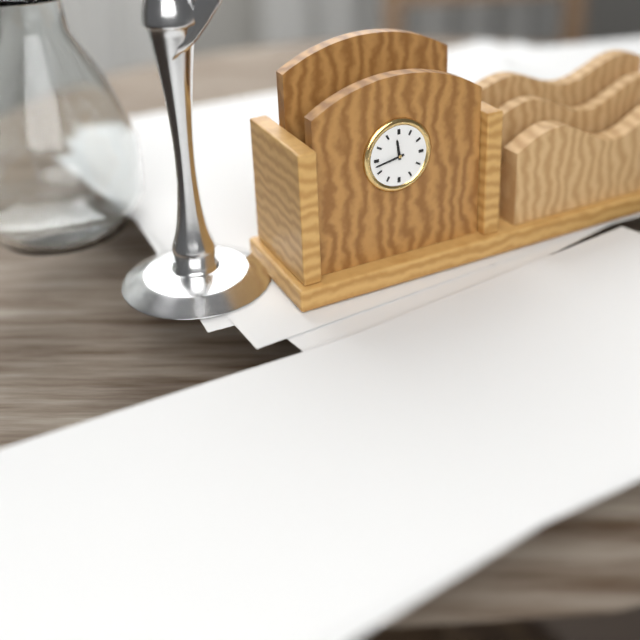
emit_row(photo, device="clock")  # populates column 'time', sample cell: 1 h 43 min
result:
11 h 43 min
